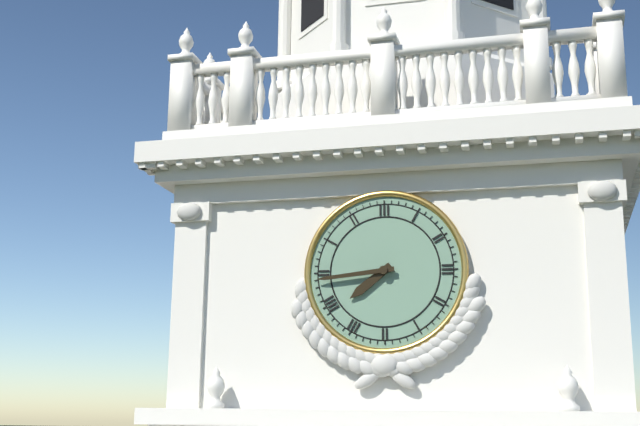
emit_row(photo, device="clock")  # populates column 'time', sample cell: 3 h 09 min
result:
7 h 44 min
